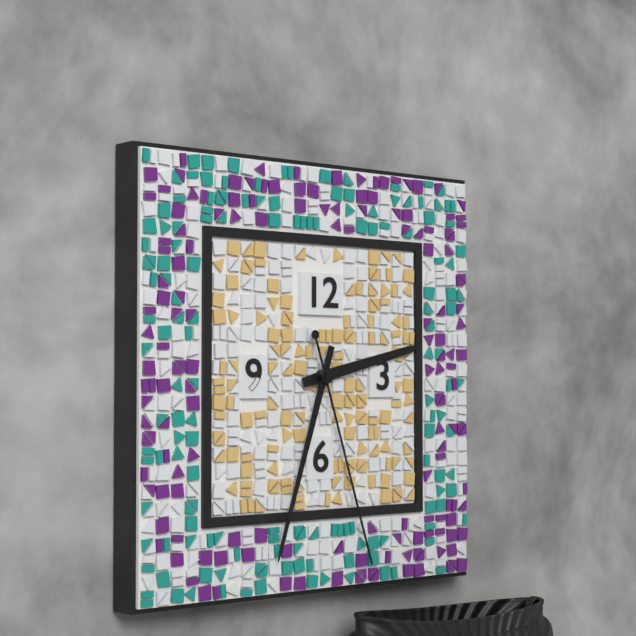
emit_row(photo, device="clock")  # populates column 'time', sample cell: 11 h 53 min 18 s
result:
2 h 33 min 27 s
